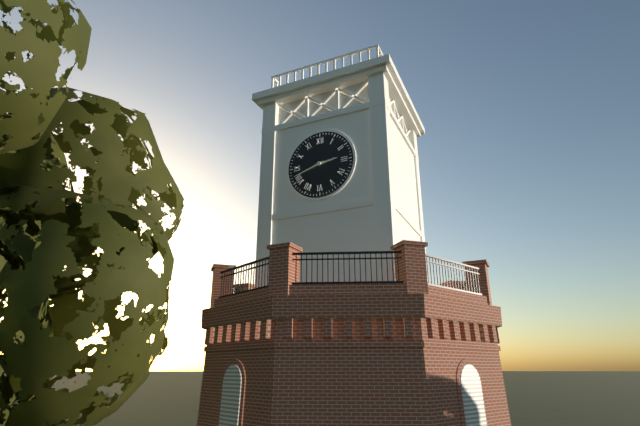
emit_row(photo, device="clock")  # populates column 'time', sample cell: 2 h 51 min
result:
2 h 42 min
